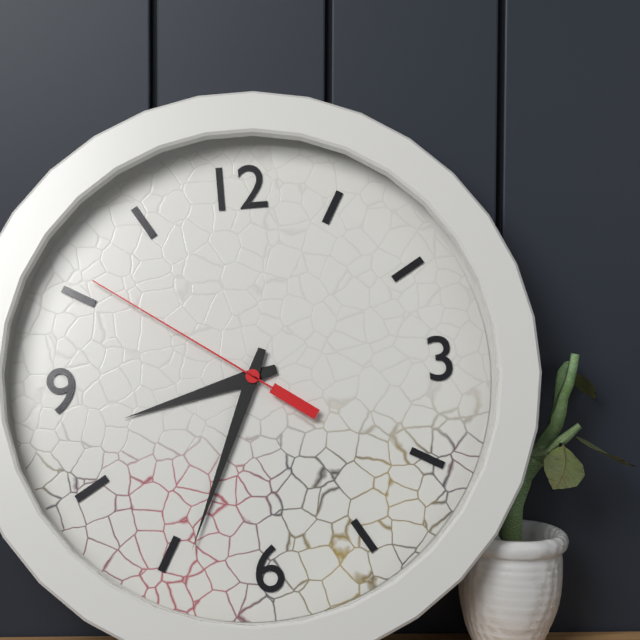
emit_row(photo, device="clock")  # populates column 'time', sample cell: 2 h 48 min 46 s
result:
8 h 34 min 51 s
